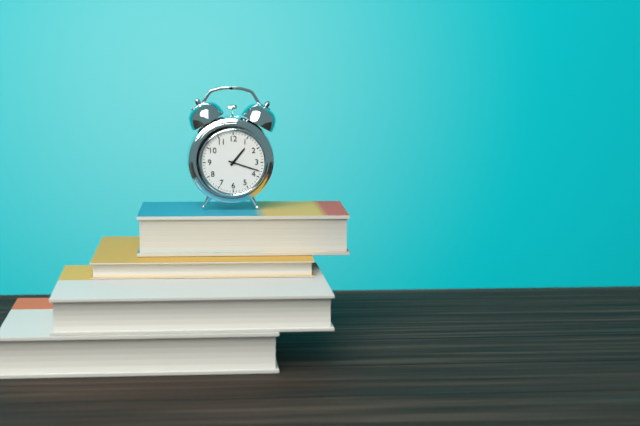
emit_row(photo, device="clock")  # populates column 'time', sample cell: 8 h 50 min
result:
1 h 18 min
